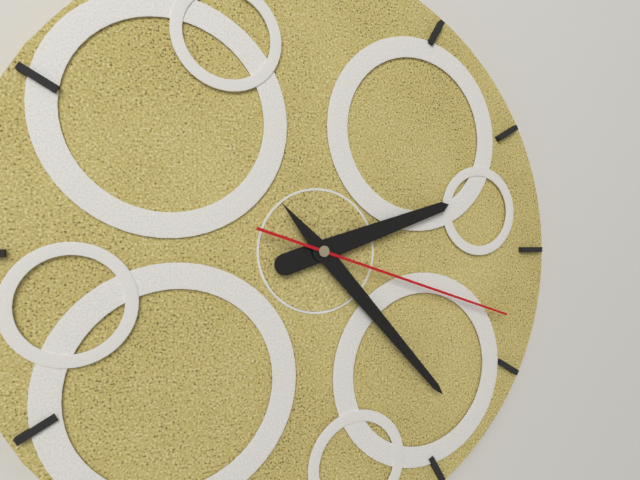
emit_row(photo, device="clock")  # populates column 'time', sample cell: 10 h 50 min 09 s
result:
2 h 23 min 18 s
